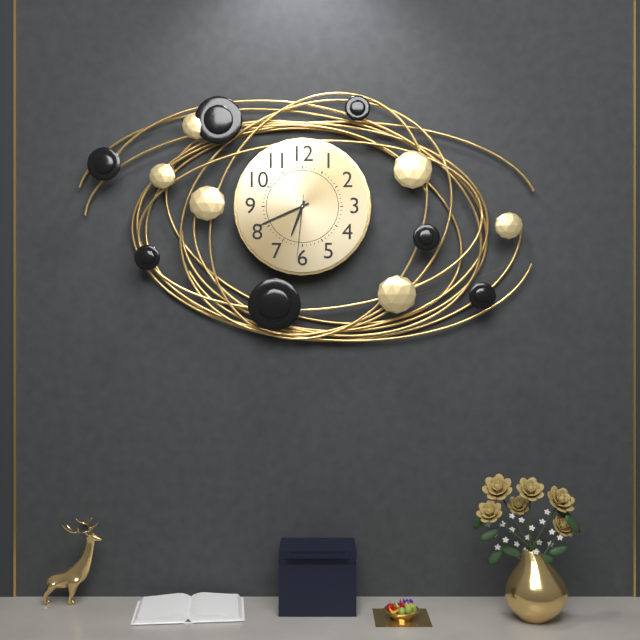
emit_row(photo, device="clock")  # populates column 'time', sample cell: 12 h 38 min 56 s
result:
6 h 41 min 31 s
